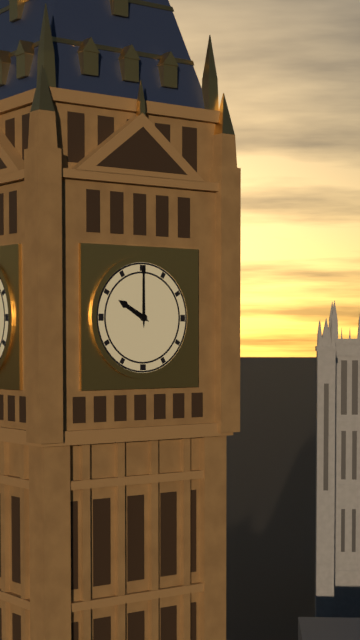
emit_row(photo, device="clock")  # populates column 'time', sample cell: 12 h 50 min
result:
10 h 00 min
